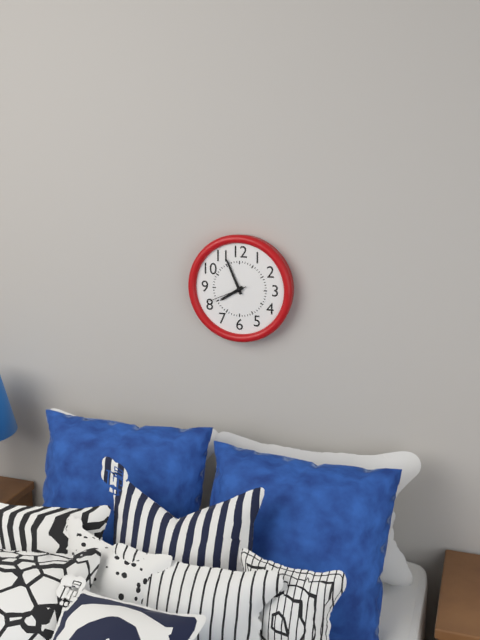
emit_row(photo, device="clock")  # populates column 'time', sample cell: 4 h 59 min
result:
7 h 56 min
